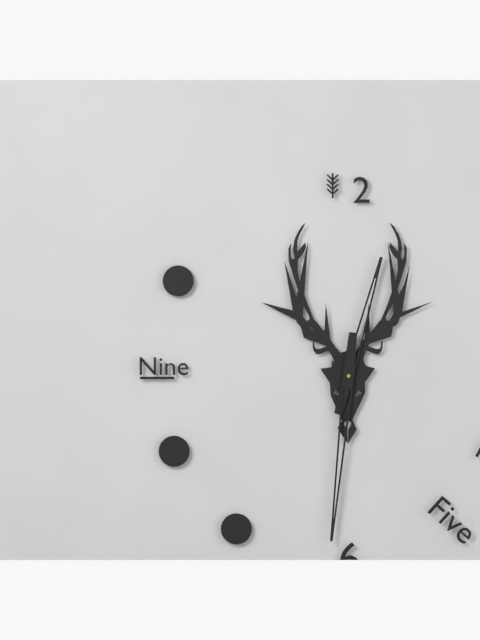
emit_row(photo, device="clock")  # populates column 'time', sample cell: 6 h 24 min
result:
12 h 31 min
